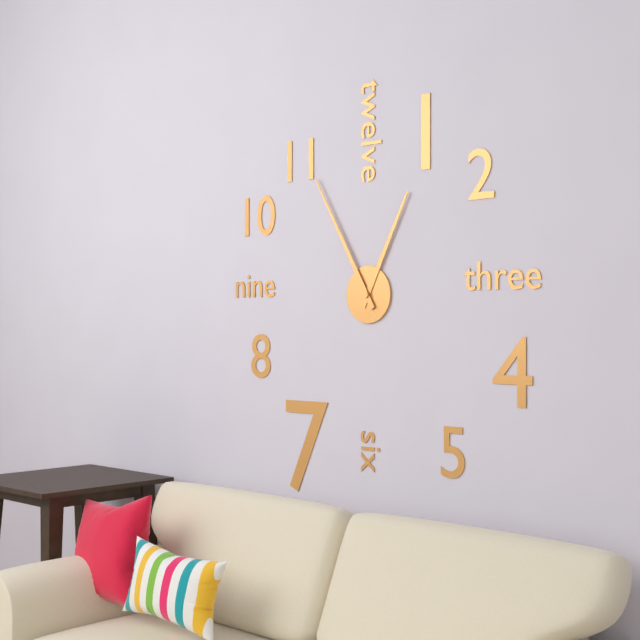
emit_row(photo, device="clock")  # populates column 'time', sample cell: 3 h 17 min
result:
12 h 55 min
